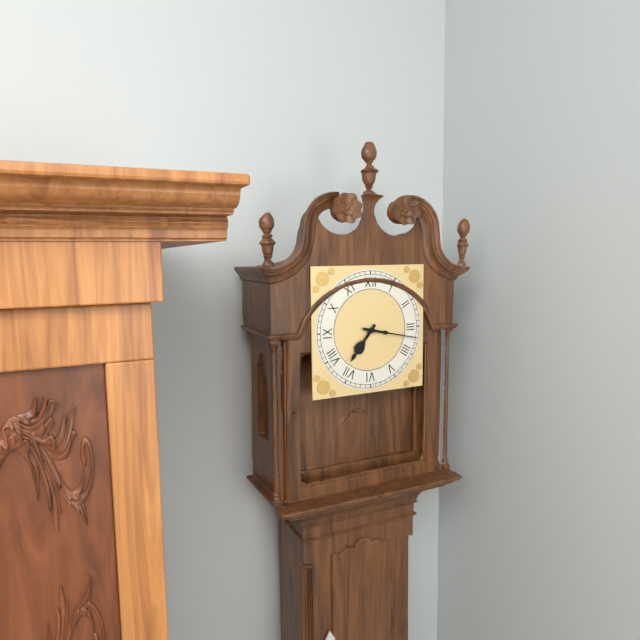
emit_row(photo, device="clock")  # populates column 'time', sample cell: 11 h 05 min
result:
7 h 17 min
